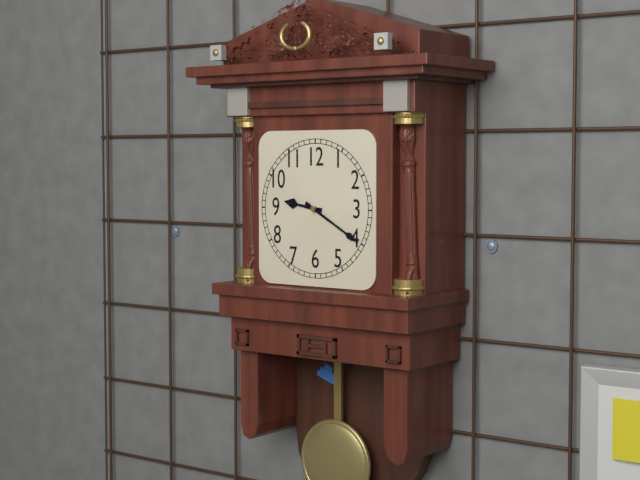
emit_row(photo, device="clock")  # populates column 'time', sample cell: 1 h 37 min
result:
9 h 20 min
